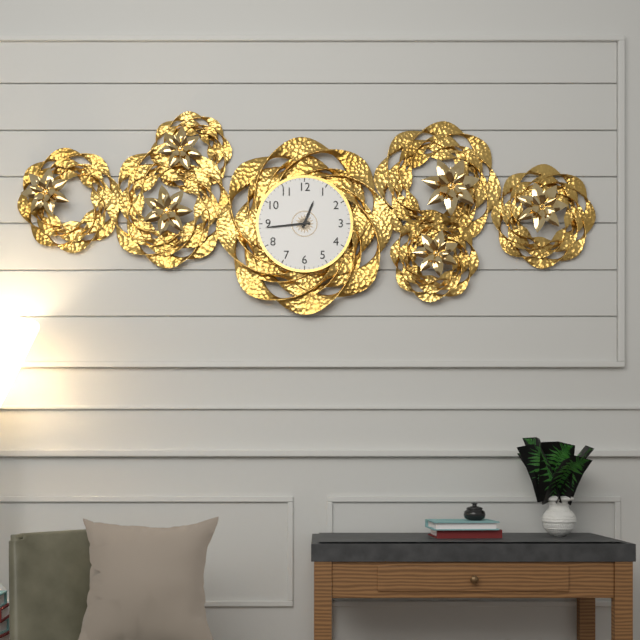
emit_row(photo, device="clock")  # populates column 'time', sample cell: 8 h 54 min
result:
12 h 44 min
